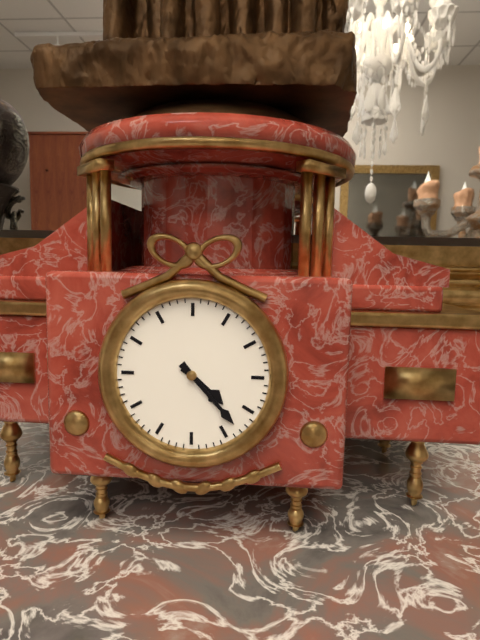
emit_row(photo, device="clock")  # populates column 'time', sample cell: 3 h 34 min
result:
4 h 23 min
